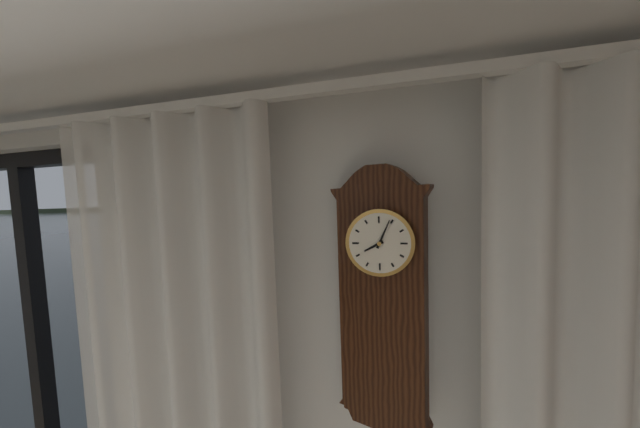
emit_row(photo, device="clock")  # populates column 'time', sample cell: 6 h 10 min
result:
8 h 04 min
